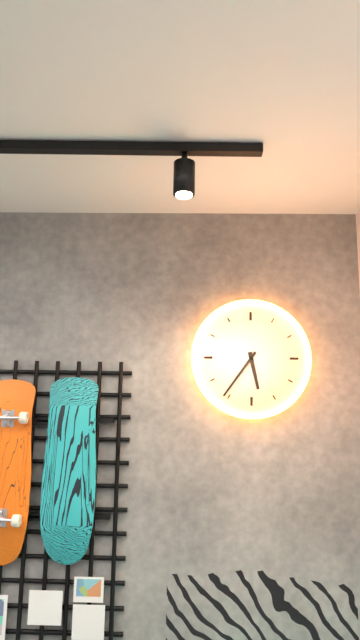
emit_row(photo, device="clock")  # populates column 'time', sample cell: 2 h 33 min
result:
5 h 36 min
